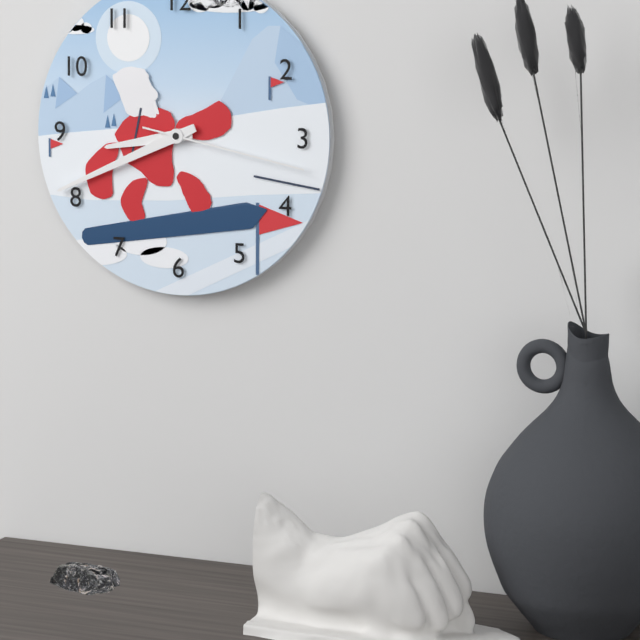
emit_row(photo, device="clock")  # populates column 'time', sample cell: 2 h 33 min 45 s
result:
8 h 41 min 17 s
